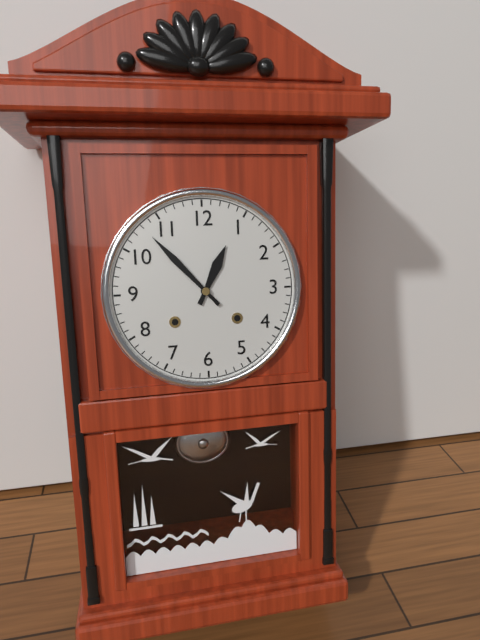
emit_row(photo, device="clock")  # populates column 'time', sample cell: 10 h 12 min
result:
12 h 53 min
